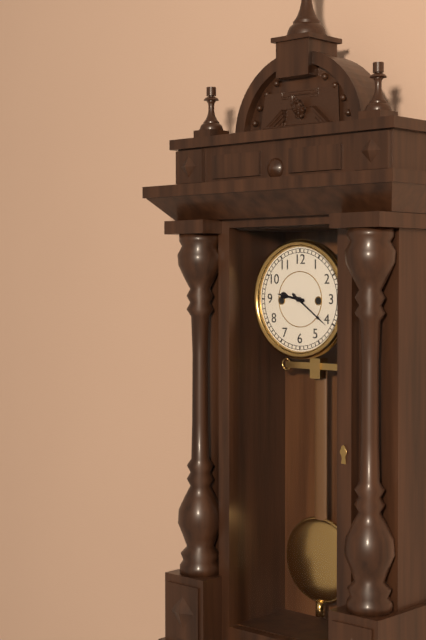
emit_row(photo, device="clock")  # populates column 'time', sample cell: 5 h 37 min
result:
9 h 21 min
